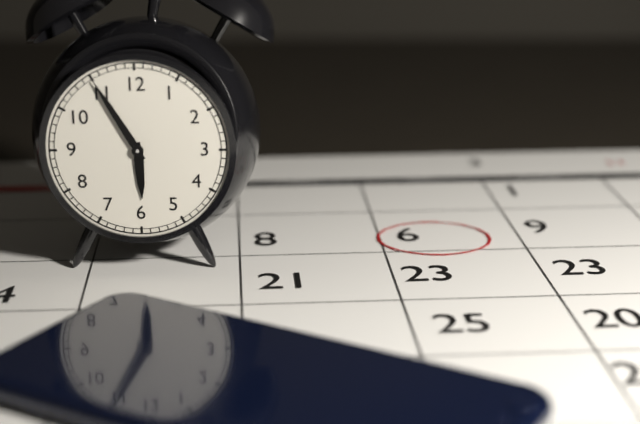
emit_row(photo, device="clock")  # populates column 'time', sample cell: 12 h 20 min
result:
5 h 55 min
